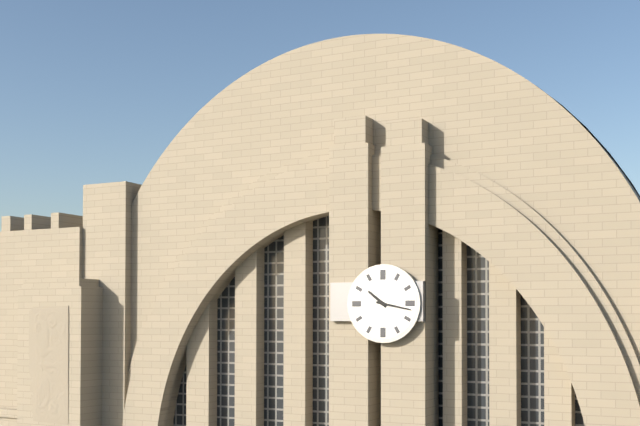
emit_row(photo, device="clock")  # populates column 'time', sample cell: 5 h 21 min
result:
10 h 17 min
